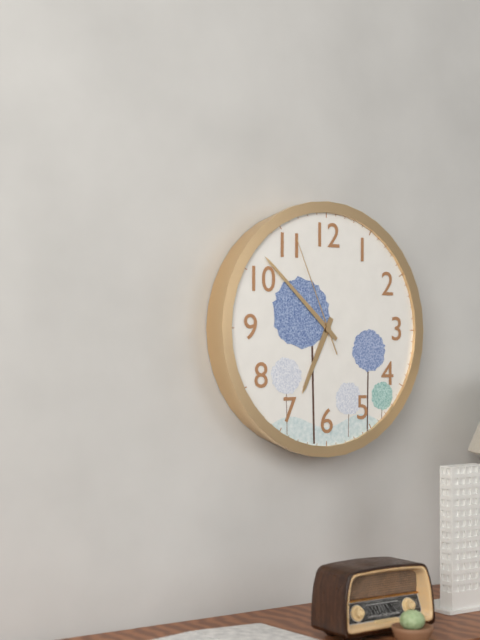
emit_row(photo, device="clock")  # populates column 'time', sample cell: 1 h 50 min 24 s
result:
6 h 52 min 56 s
